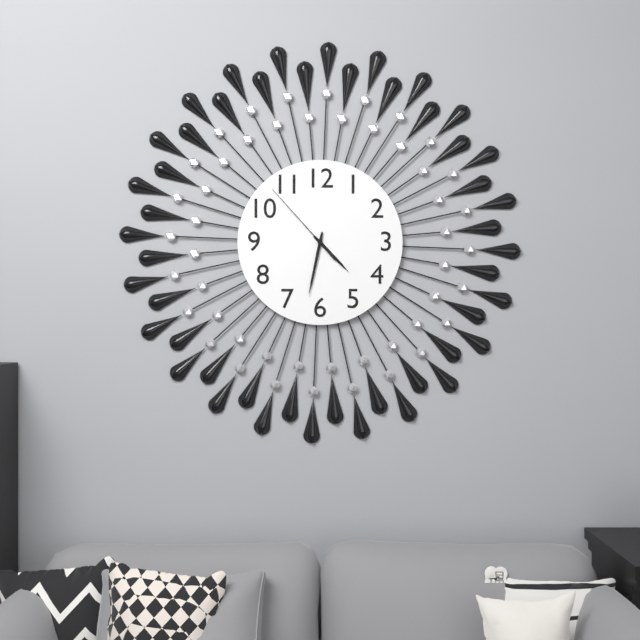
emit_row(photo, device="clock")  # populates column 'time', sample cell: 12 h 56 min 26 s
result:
4 h 32 min 53 s
